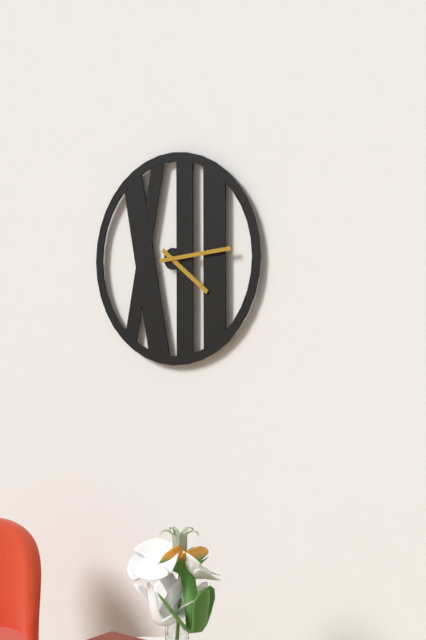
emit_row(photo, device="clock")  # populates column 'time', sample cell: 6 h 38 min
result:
4 h 14 min
